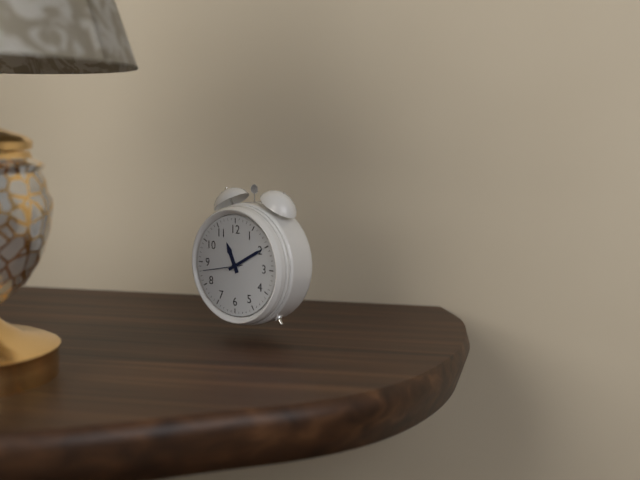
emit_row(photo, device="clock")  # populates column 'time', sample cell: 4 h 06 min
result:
11 h 10 min
